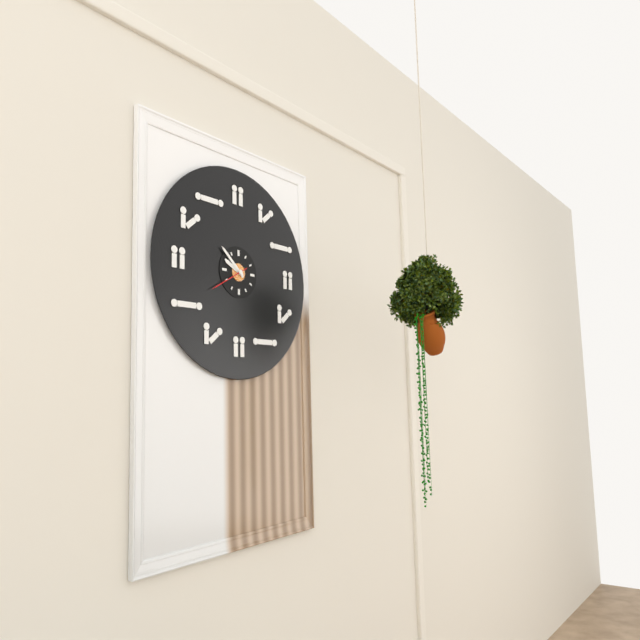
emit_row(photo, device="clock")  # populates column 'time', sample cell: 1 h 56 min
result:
9 h 52 min
